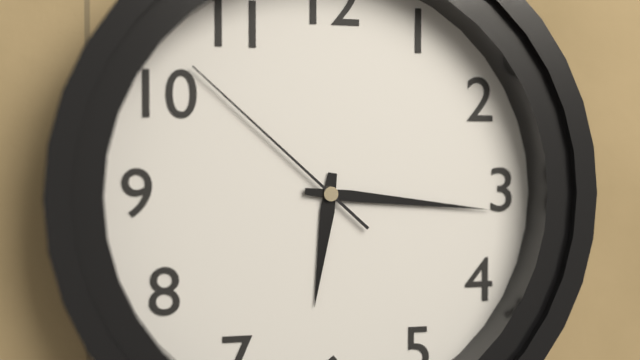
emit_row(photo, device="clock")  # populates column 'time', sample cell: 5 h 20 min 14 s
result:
6 h 16 min 52 s
